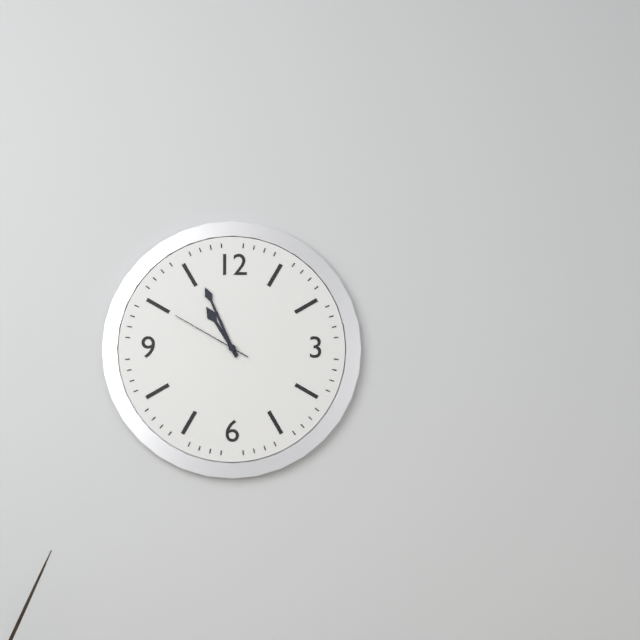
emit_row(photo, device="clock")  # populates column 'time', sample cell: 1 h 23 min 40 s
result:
10 h 56 min 50 s
